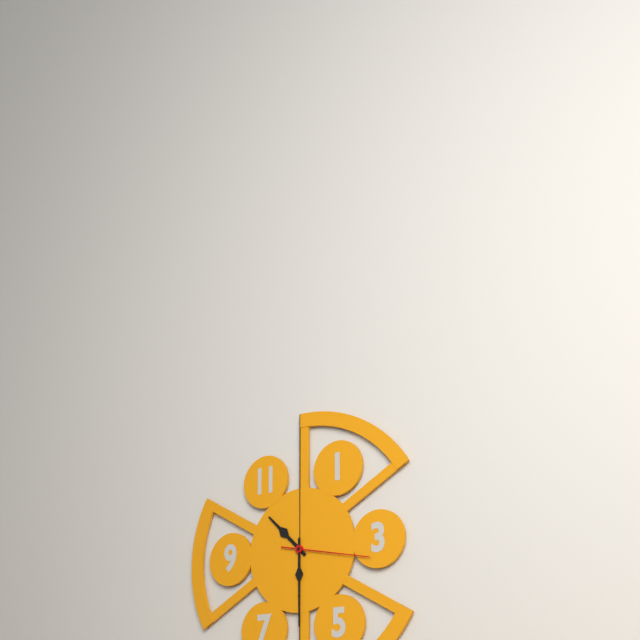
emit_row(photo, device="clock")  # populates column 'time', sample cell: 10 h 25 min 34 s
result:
10 h 30 min 17 s
